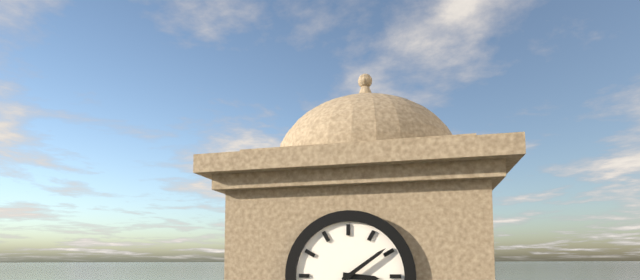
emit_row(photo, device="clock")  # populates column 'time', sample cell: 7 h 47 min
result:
3 h 09 min
